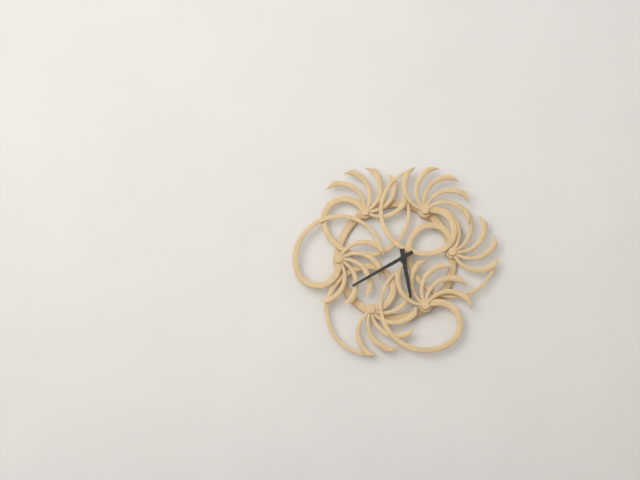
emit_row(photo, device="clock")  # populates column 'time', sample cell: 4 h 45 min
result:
5 h 40 min
